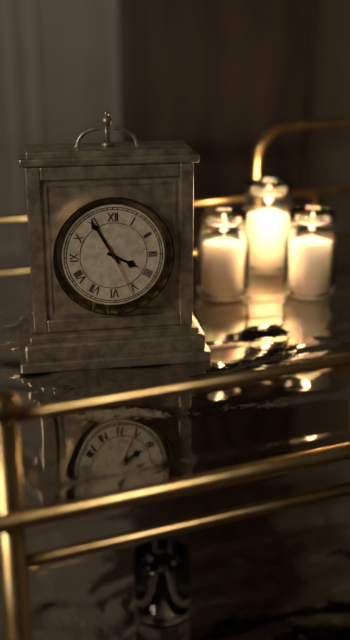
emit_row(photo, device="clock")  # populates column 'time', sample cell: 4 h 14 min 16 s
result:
3 h 55 min 26 s
